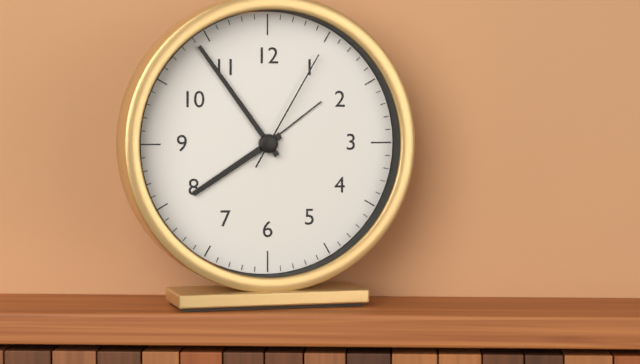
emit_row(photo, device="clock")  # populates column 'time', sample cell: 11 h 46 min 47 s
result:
7 h 54 min 05 s
